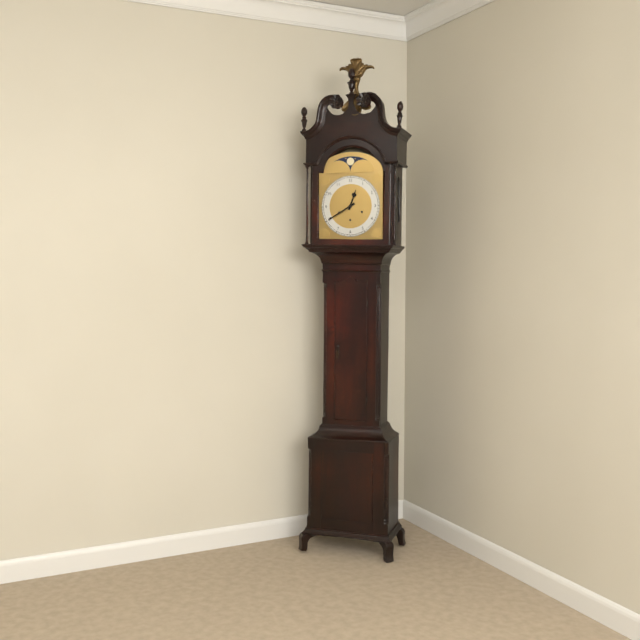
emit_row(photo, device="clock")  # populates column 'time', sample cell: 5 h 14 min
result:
12 h 40 min
